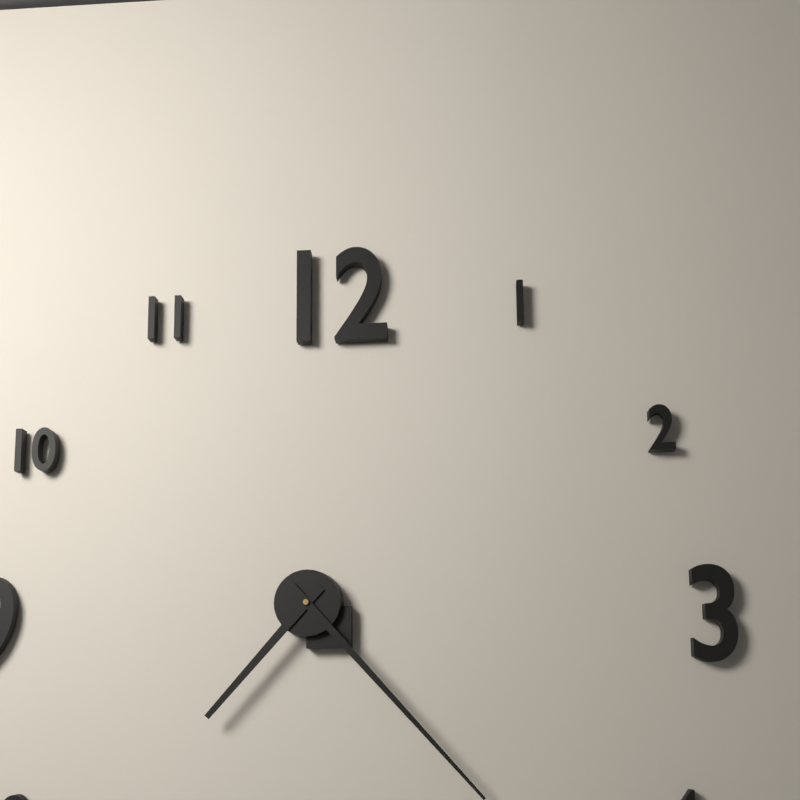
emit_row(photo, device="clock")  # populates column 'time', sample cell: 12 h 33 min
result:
7 h 23 min
